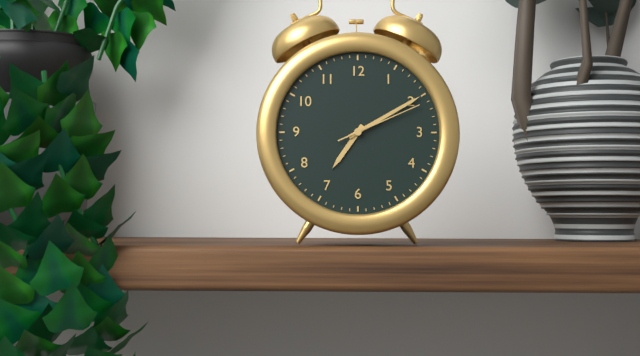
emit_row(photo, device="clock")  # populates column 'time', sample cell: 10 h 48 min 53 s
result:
7 h 10 min 11 s
